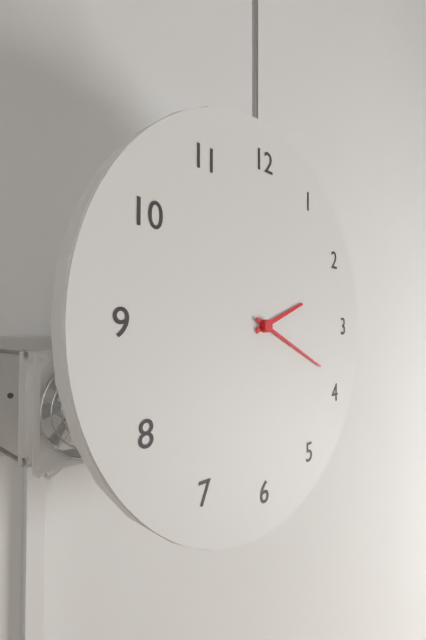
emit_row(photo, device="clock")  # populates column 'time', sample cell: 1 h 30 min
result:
2 h 19 min
